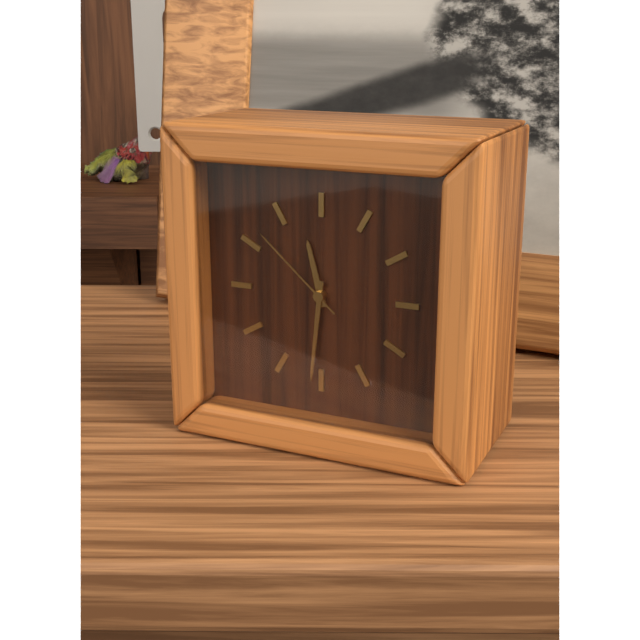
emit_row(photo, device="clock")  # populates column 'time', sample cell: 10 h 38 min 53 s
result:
11 h 31 min 52 s
